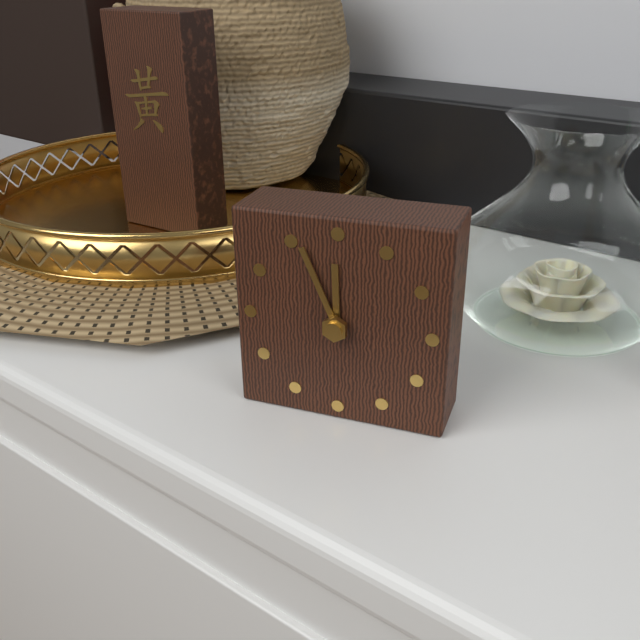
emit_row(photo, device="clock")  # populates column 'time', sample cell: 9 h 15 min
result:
11 h 56 min
